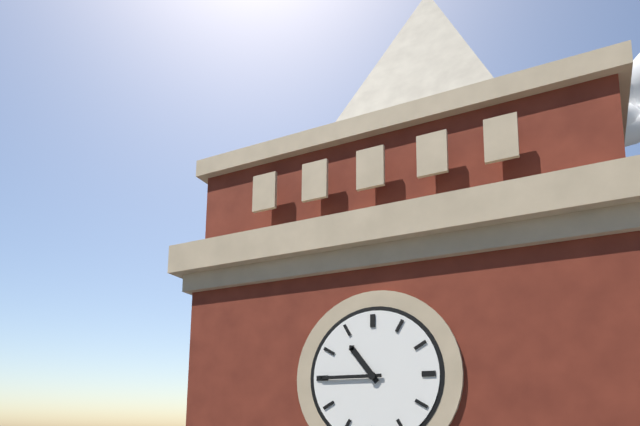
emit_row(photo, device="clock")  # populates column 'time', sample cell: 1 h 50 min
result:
10 h 45 min
